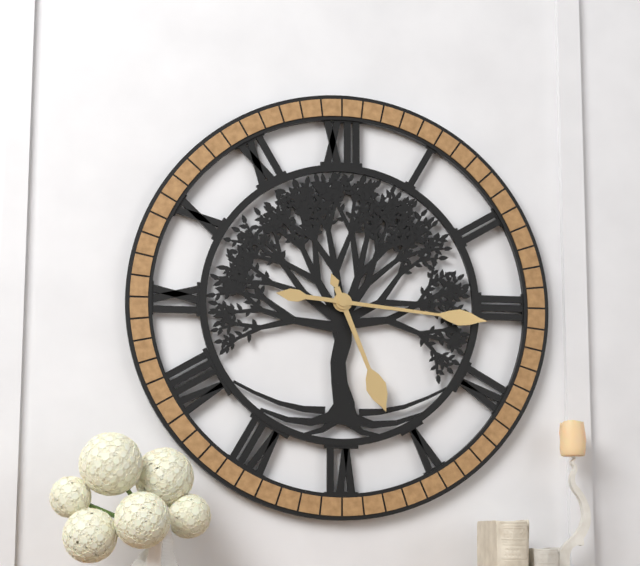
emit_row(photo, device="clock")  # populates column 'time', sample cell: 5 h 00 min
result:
5 h 16 min
